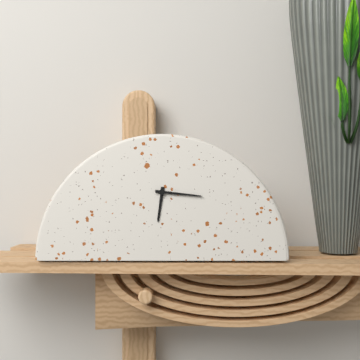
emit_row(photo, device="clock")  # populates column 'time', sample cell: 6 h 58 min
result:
6 h 16 min
